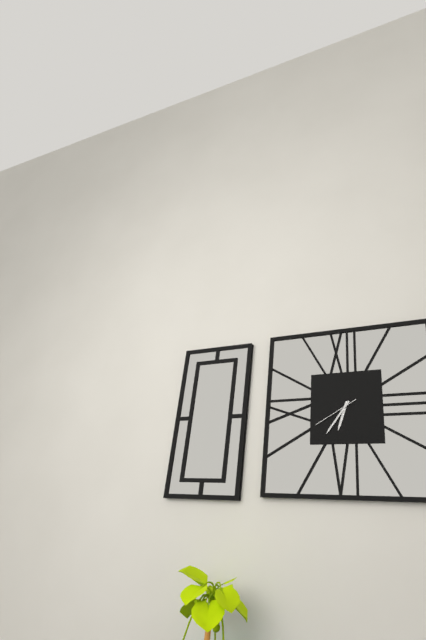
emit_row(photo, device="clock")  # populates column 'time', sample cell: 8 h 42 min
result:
6 h 36 min
